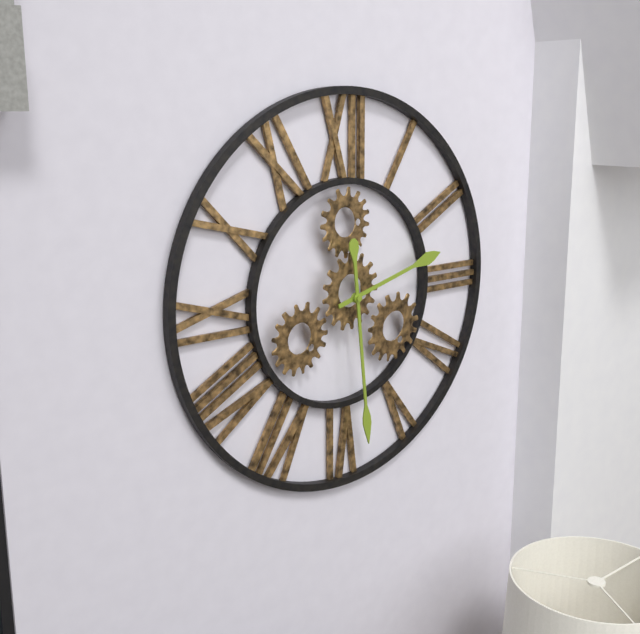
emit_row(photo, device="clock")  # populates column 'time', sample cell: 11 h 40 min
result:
2 h 29 min
